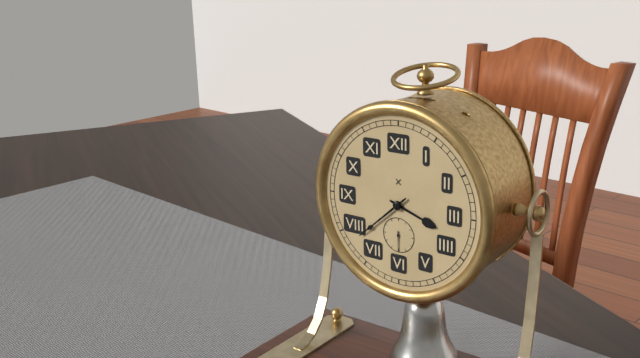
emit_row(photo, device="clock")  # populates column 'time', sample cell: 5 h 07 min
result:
3 h 38 min
